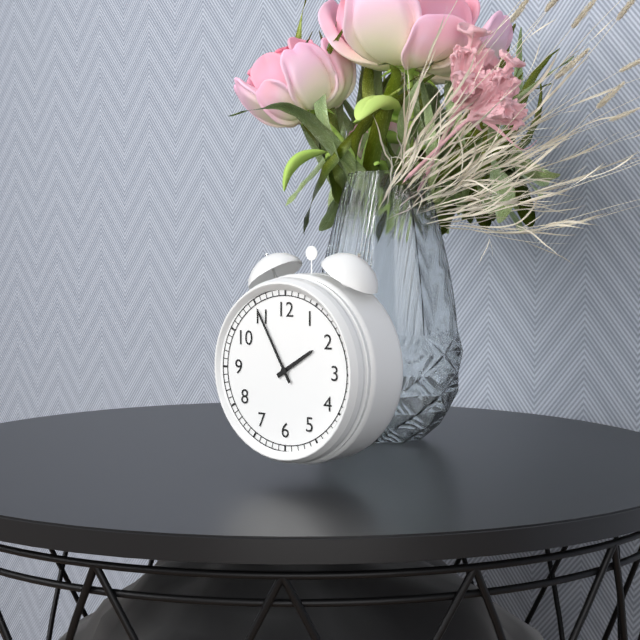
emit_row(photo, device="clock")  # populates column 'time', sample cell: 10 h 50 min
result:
1 h 55 min
